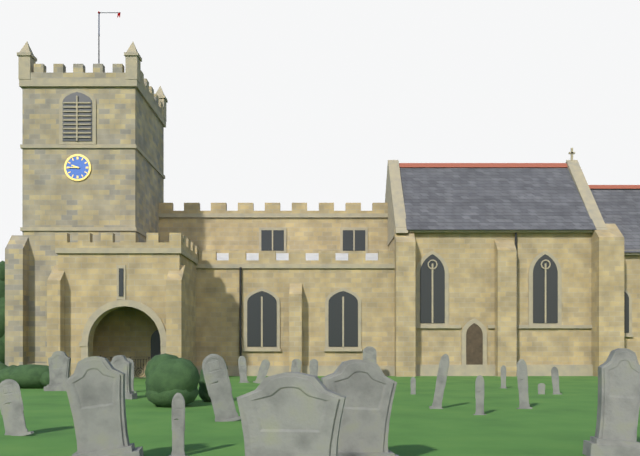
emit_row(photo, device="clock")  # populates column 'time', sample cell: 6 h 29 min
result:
9 h 45 min
